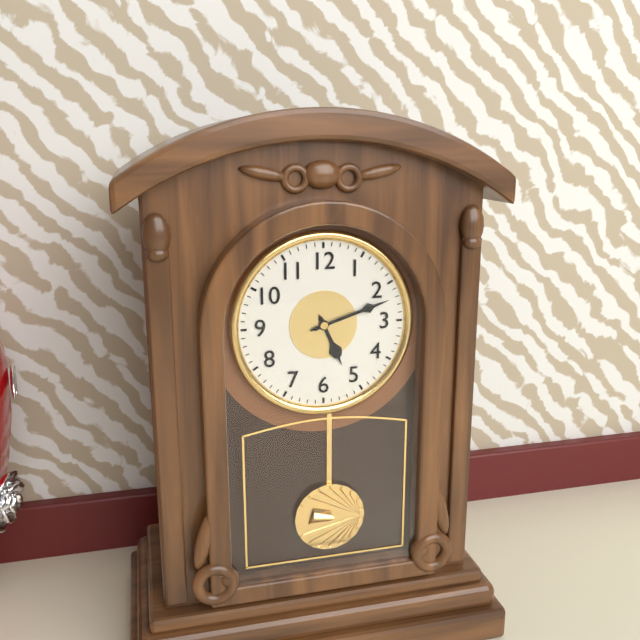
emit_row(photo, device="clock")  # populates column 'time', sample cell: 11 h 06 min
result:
5 h 12 min
